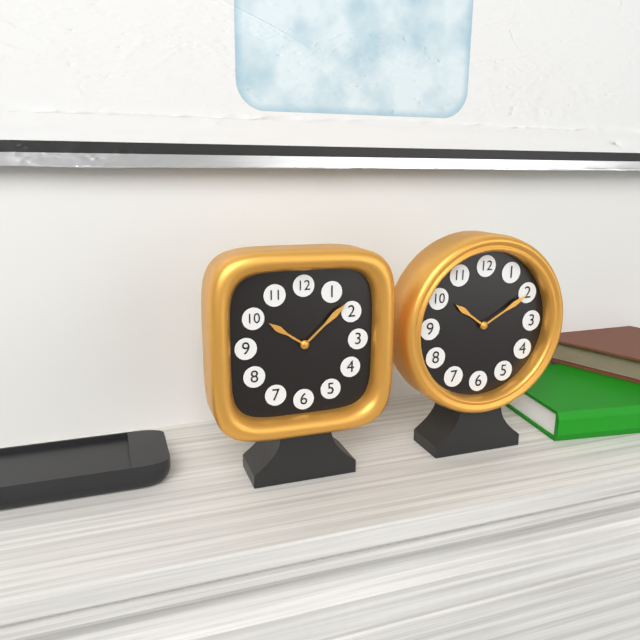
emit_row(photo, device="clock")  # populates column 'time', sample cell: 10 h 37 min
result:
10 h 08 min
